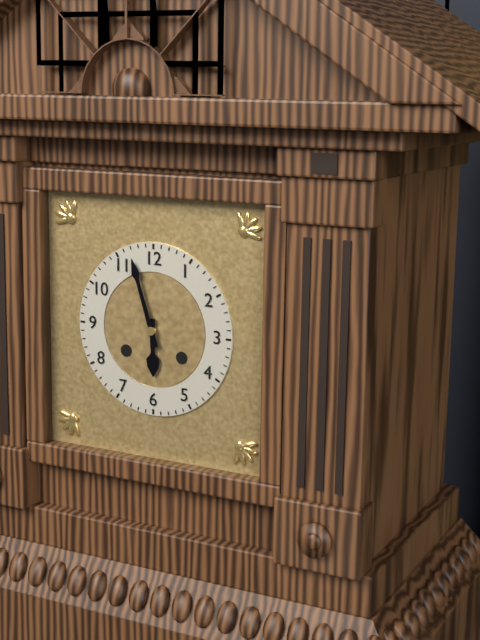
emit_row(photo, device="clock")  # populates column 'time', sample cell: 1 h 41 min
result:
5 h 57 min
